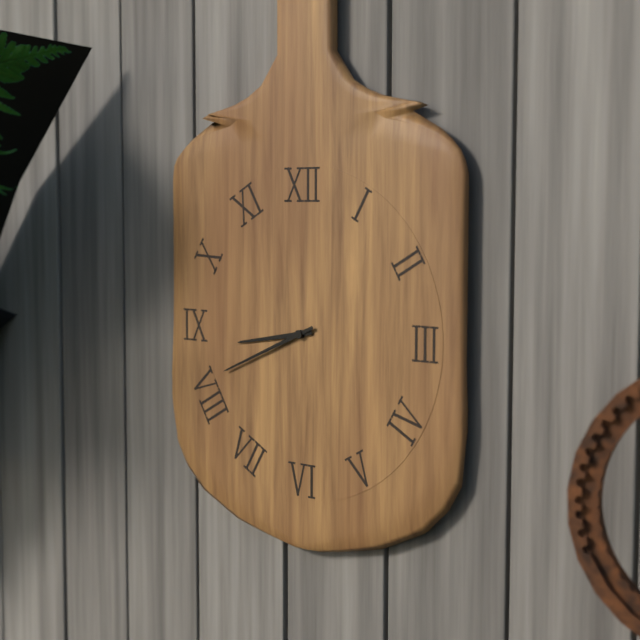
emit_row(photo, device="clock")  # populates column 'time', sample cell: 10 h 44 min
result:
8 h 41 min
